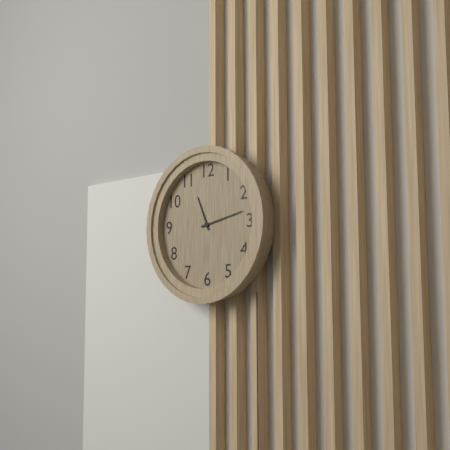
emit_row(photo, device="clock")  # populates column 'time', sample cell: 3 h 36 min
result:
11 h 13 min
